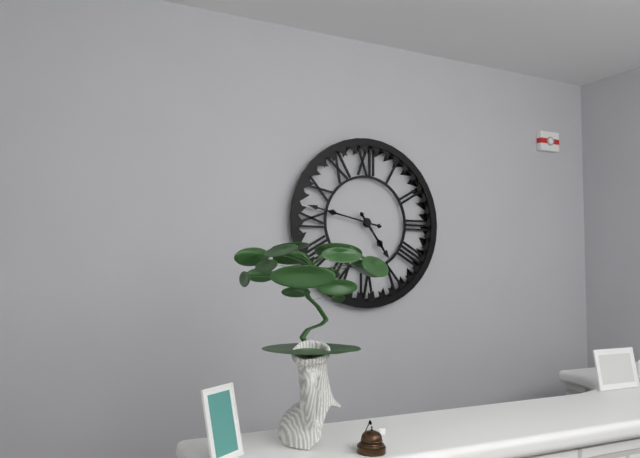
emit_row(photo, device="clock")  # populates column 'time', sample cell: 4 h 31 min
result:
4 h 47 min
